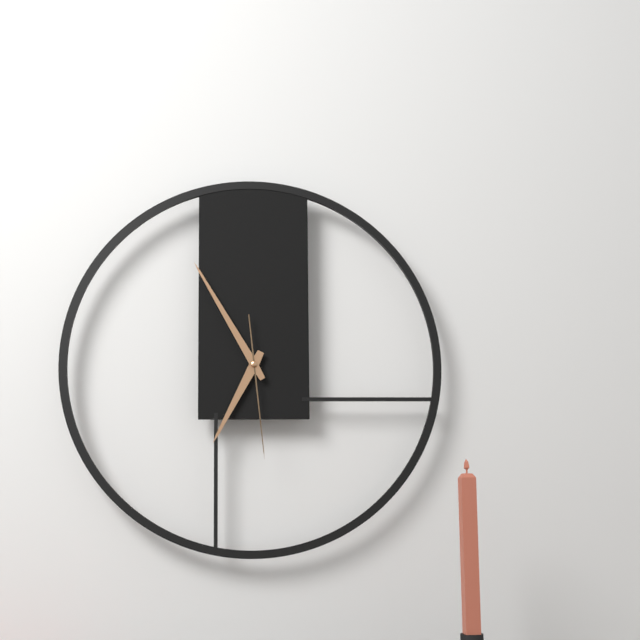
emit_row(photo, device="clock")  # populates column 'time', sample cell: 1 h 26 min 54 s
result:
6 h 55 min 29 s
